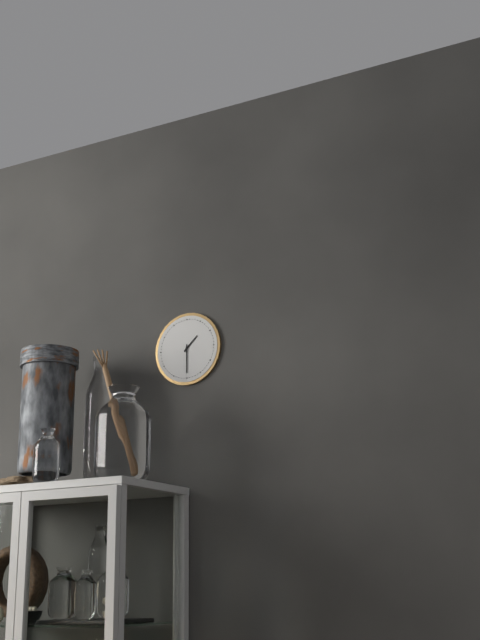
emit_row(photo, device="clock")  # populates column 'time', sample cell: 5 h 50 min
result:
1 h 30 min
